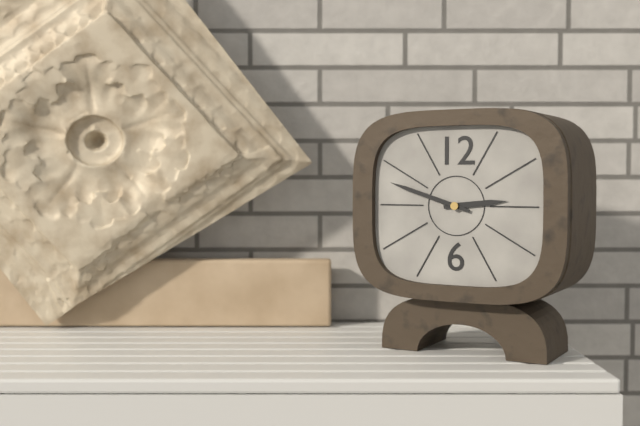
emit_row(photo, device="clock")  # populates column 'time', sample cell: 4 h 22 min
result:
2 h 48 min
